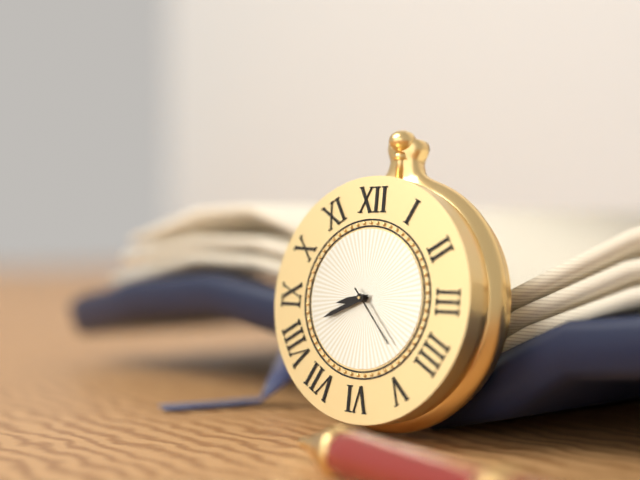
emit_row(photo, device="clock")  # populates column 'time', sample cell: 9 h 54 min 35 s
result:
8 h 41 min 23 s
